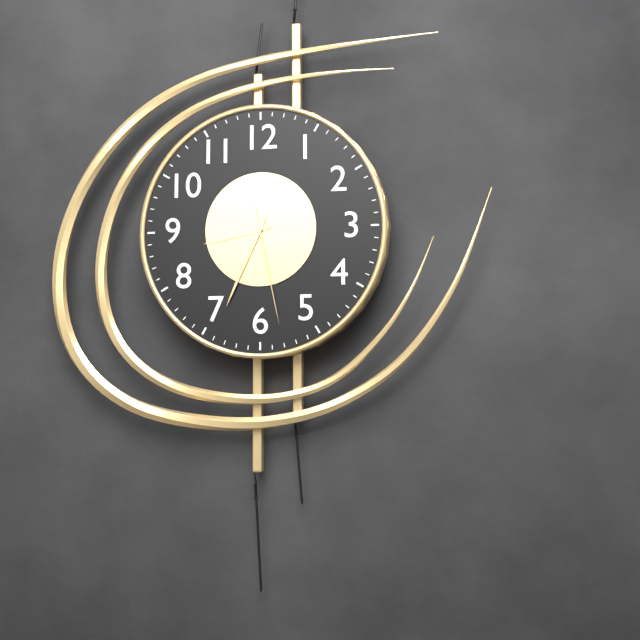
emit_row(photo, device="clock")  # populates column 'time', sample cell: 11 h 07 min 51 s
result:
8 h 34 min 28 s
